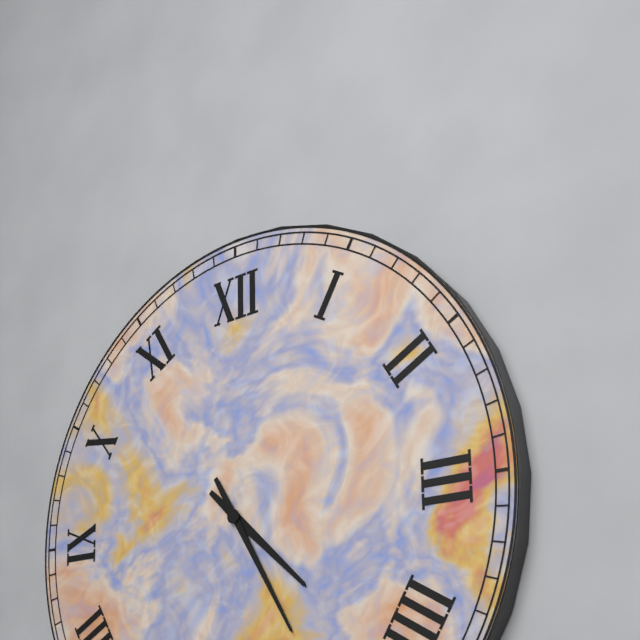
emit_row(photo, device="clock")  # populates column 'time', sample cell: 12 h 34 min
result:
4 h 25 min
